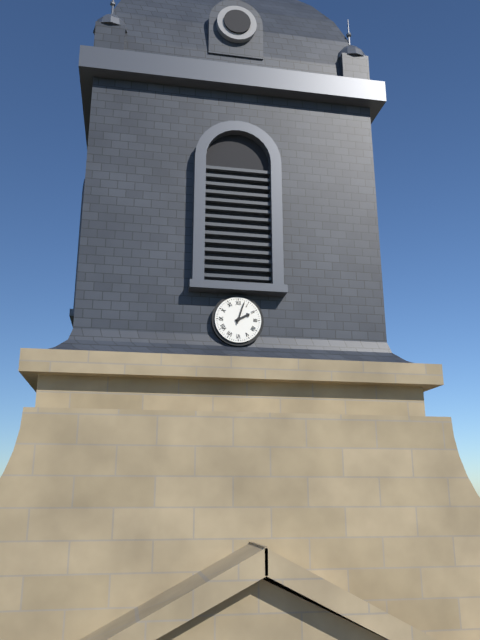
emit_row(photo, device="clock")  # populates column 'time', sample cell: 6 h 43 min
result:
2 h 03 min
